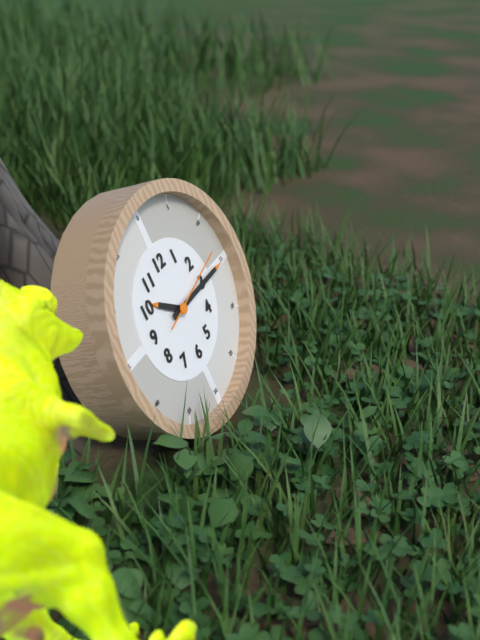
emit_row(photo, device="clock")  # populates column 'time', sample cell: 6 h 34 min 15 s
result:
10 h 15 min 13 s
